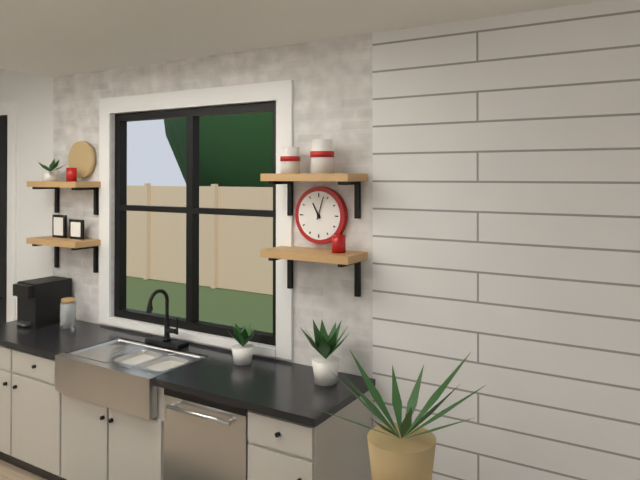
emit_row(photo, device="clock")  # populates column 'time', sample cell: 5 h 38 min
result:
11 h 03 min
